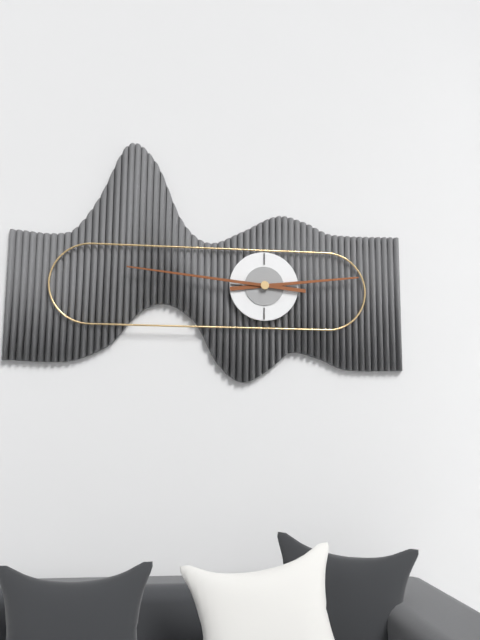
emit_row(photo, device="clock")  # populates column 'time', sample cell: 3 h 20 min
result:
2 h 46 min
